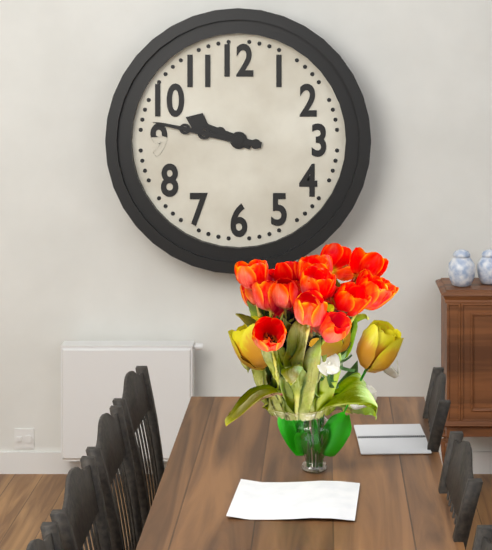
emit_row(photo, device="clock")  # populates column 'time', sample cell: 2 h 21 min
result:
9 h 47 min
